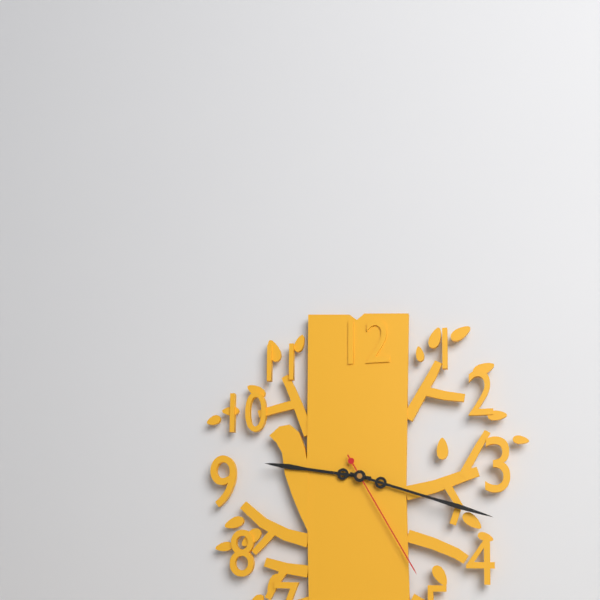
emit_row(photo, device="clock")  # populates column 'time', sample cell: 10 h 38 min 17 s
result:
9 h 18 min 25 s
